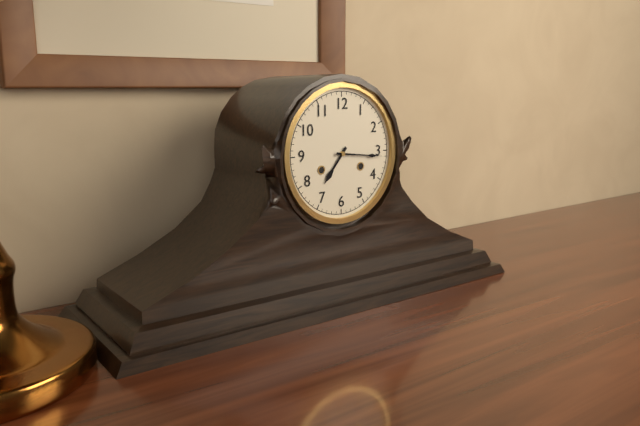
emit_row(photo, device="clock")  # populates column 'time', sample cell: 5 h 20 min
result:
7 h 16 min
